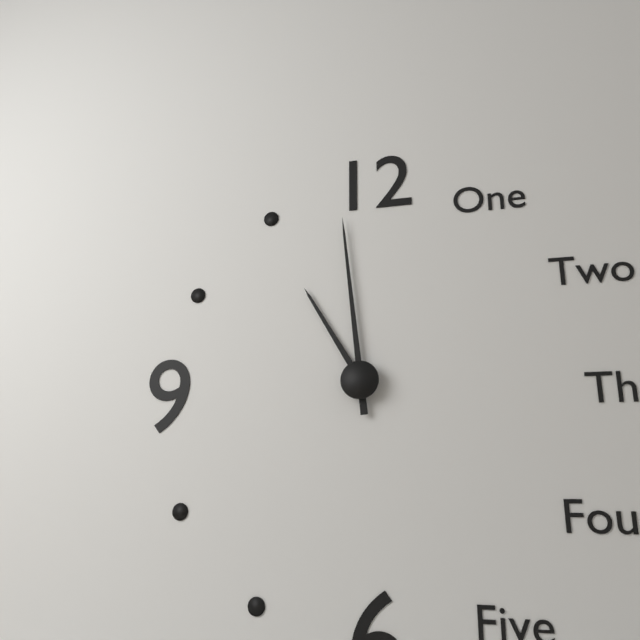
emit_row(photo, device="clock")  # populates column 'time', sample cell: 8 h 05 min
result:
10 h 59 min
